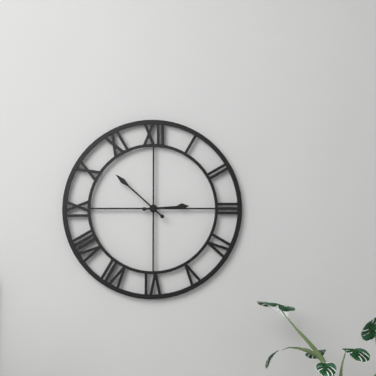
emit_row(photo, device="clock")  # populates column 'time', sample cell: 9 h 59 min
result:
2 h 52 min
